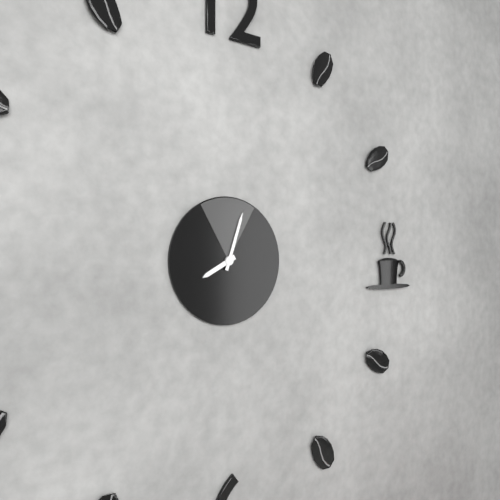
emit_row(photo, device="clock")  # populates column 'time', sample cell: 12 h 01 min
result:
8 h 03 min
